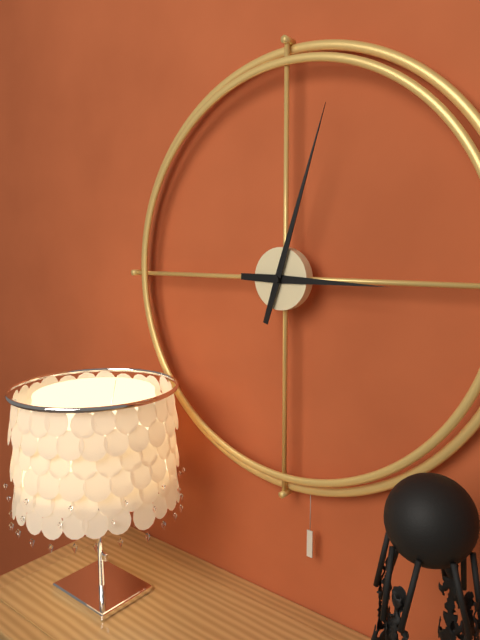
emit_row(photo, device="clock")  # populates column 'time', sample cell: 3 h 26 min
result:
3 h 03 min
